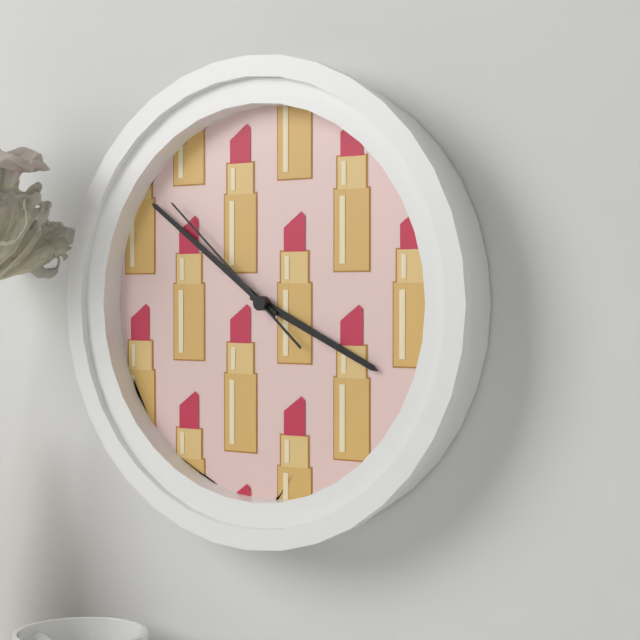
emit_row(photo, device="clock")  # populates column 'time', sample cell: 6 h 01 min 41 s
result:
3 h 51 min 52 s
